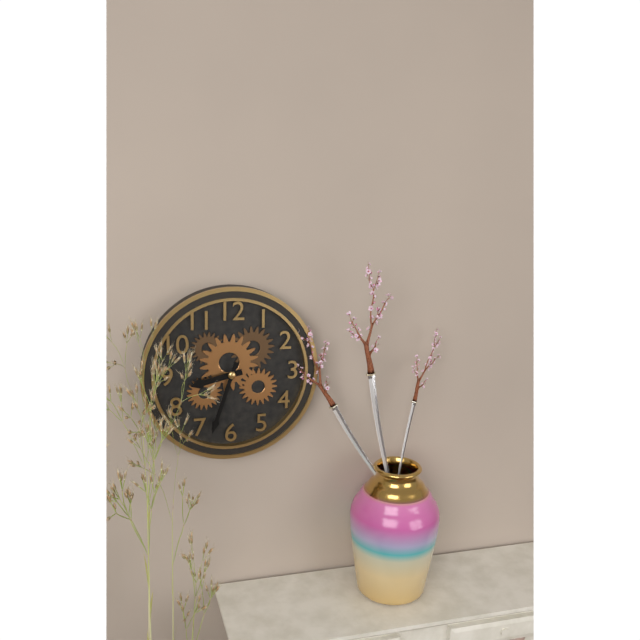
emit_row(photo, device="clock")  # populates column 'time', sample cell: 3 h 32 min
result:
8 h 33 min
